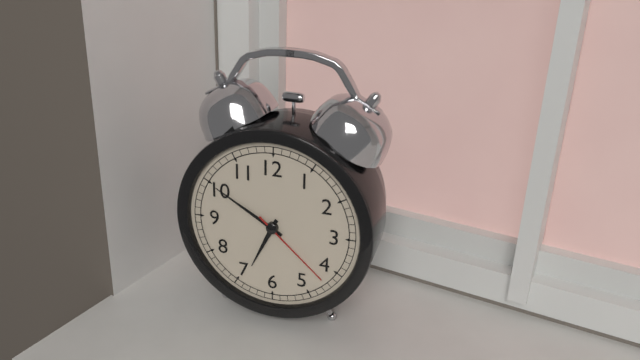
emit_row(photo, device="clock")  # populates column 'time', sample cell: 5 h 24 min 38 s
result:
6 h 50 min 22 s
